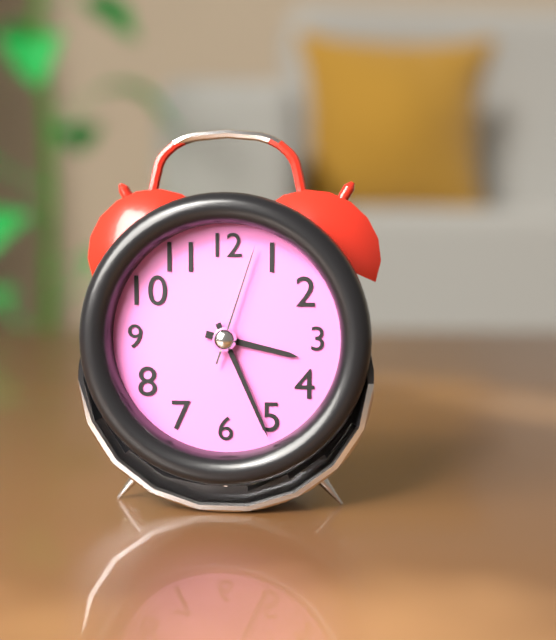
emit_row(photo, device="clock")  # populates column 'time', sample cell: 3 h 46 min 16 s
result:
3 h 26 min 03 s
